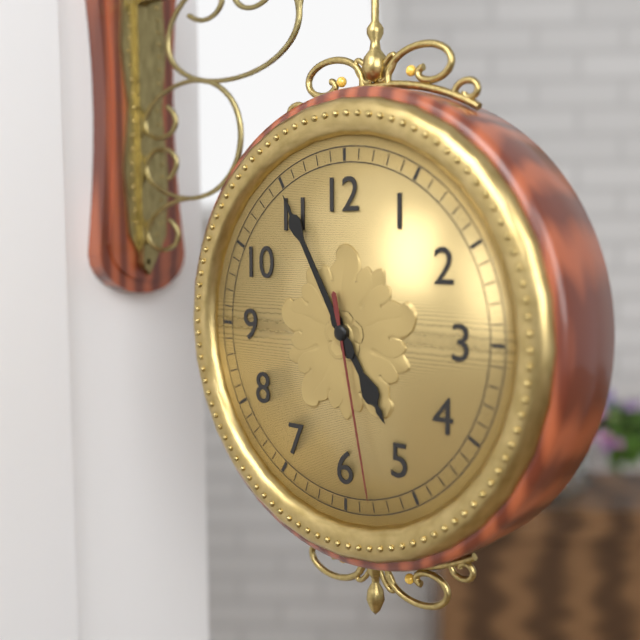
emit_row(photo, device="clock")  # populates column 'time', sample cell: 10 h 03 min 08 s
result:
4 h 55 min 28 s
